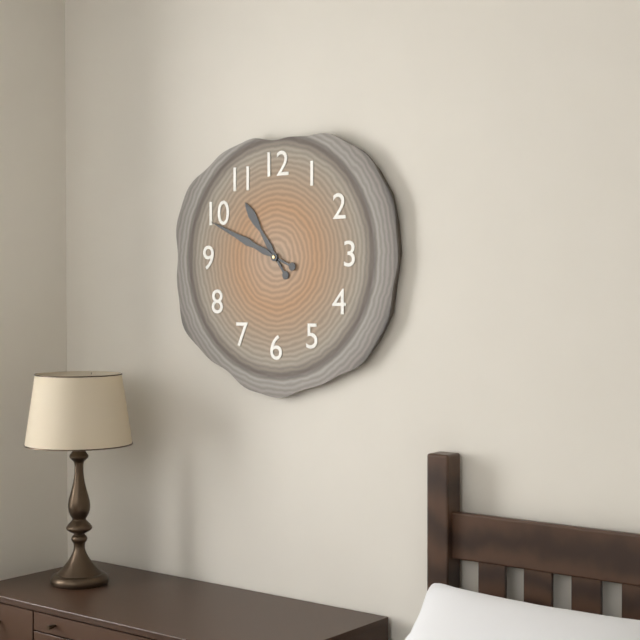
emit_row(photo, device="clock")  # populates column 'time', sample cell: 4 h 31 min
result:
10 h 49 min
